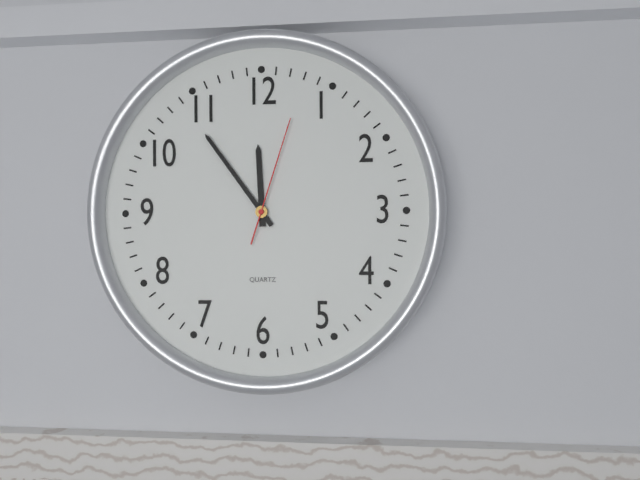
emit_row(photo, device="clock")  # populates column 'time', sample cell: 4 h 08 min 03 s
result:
11 h 54 min 03 s
